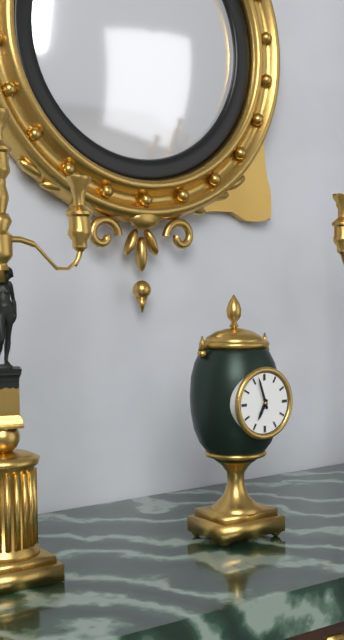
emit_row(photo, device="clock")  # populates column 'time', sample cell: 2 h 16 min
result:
6 h 57 min
